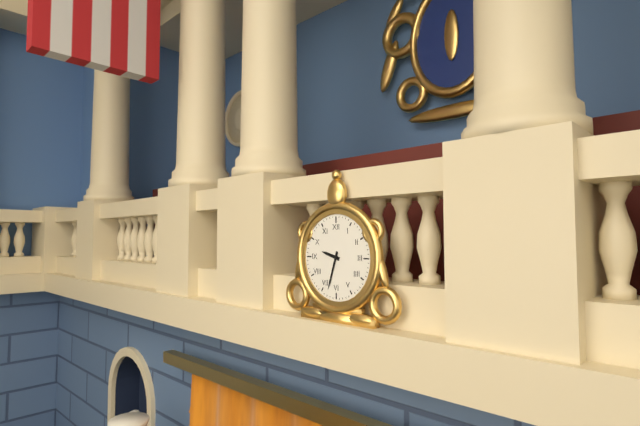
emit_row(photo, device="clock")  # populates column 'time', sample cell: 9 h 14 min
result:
9 h 33 min
